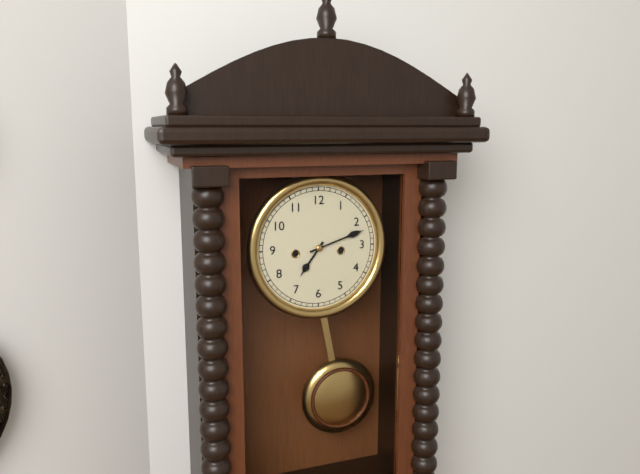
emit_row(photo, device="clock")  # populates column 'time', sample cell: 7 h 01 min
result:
7 h 12 min
